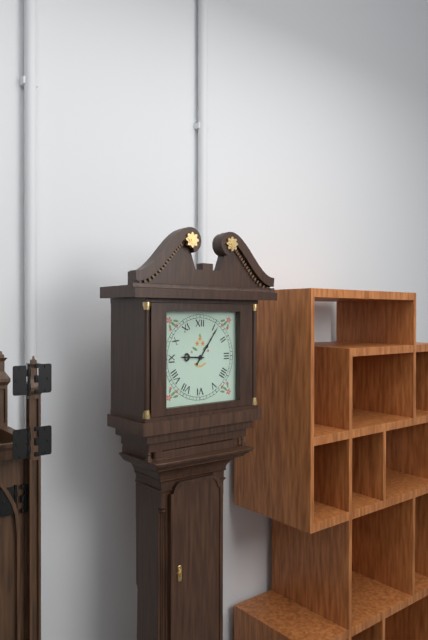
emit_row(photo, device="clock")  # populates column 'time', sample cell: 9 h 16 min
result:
9 h 06 min
